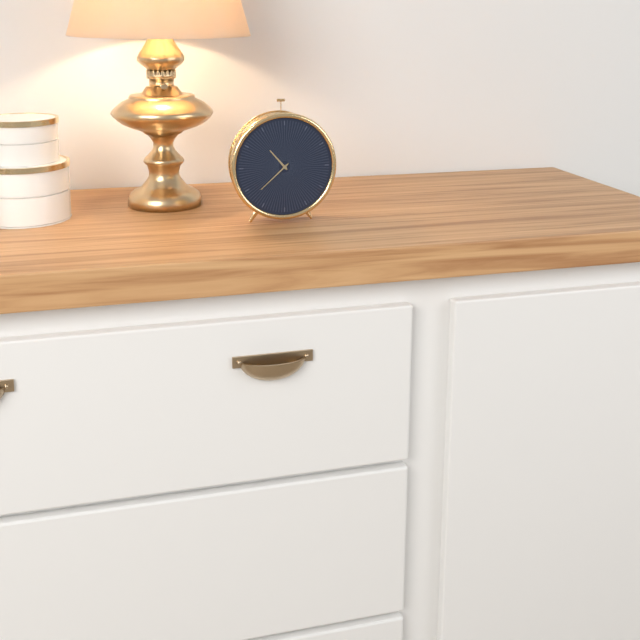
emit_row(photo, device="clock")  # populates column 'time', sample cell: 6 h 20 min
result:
10 h 38 min
